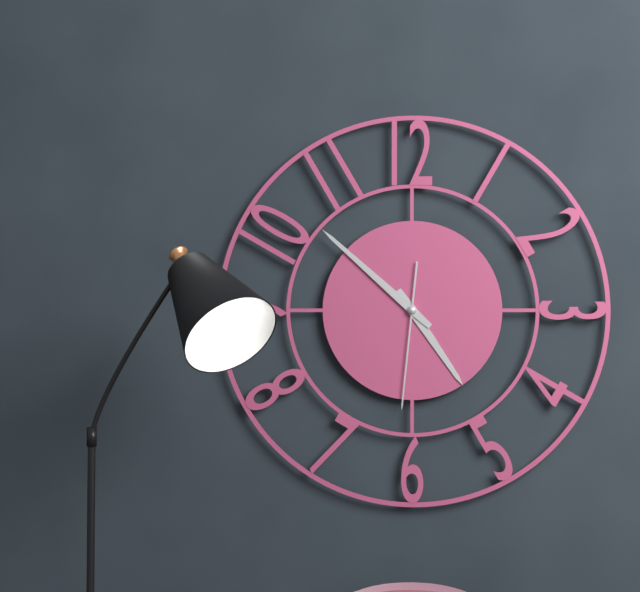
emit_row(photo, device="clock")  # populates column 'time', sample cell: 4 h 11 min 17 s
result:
4 h 52 min 31 s
